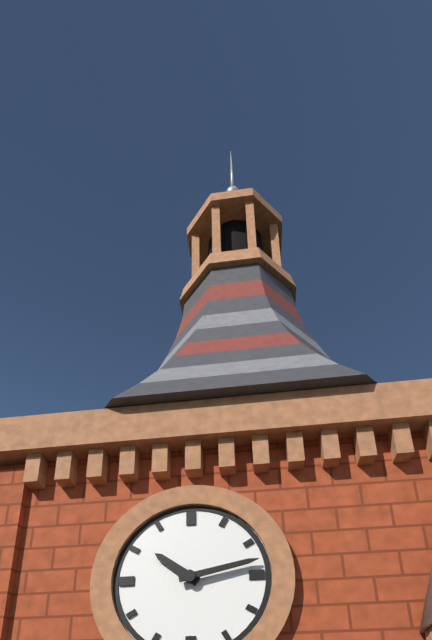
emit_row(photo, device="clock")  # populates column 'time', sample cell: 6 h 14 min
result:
10 h 13 min
